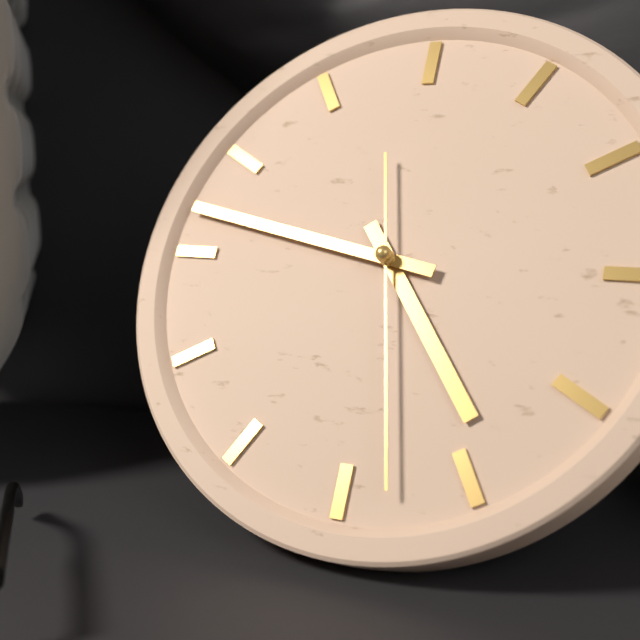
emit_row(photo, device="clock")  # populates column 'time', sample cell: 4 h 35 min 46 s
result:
4 h 47 min 28 s
